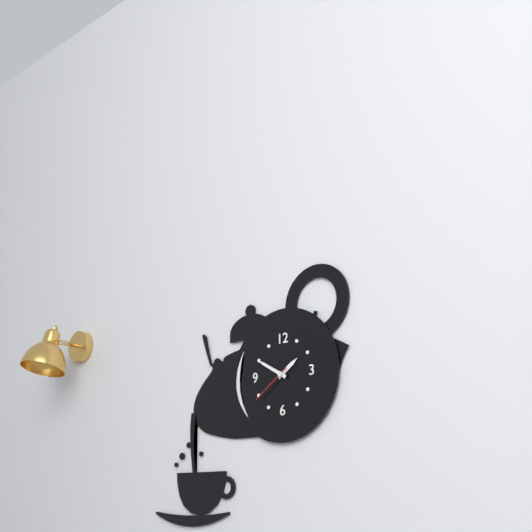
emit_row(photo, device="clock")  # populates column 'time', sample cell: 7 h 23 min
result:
1 h 50 min
